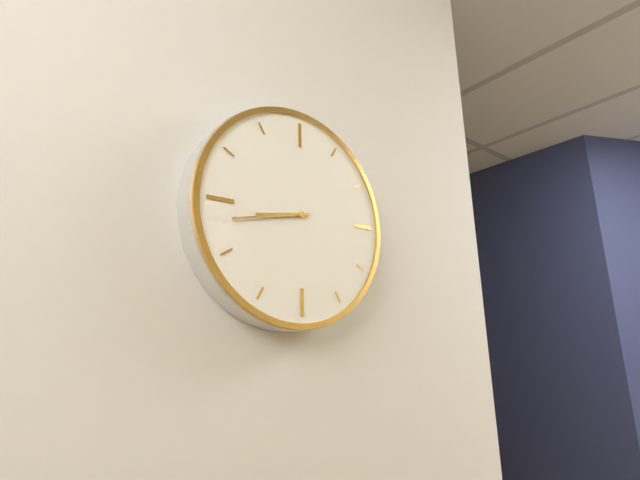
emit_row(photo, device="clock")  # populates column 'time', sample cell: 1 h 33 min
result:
8 h 43 min
